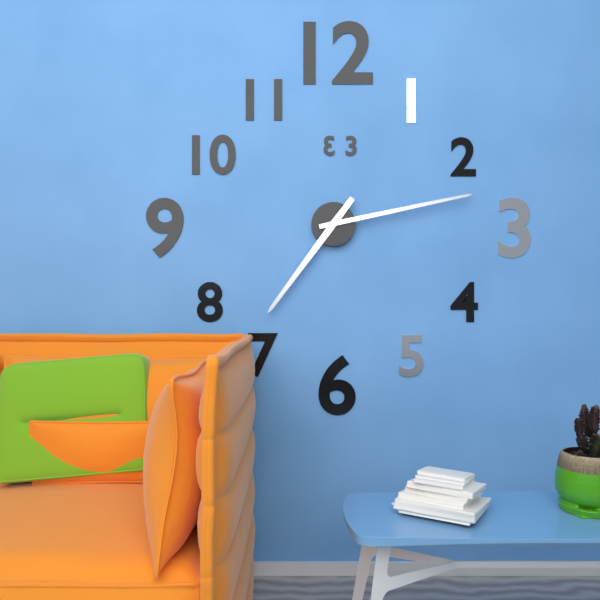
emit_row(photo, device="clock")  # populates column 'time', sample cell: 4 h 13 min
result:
7 h 13 min
